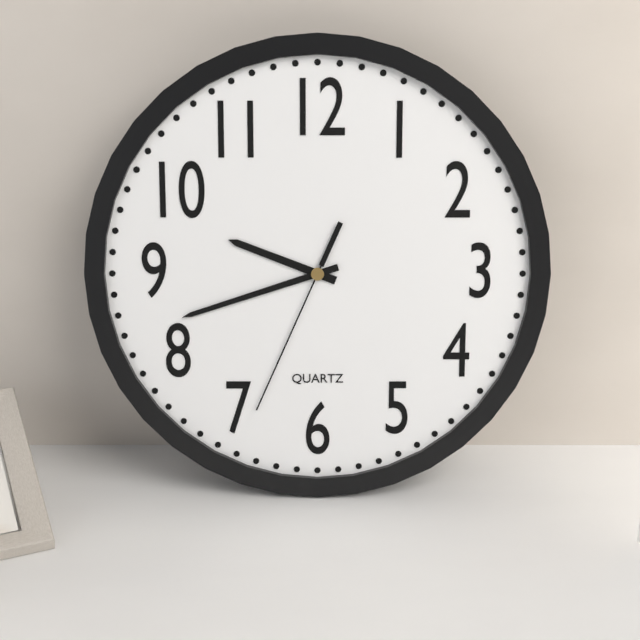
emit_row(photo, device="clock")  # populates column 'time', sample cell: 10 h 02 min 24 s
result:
9 h 42 min 34 s
